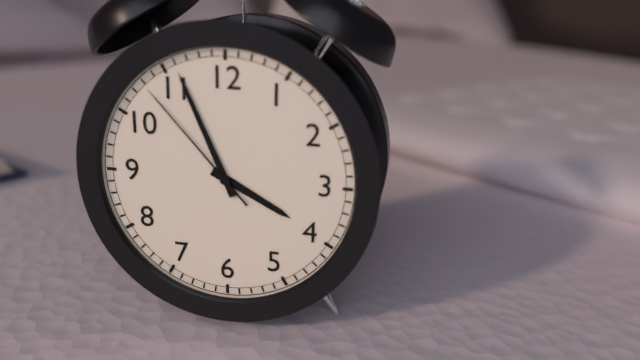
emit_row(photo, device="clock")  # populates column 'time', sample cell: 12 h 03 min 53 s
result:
3 h 56 min 53 s
